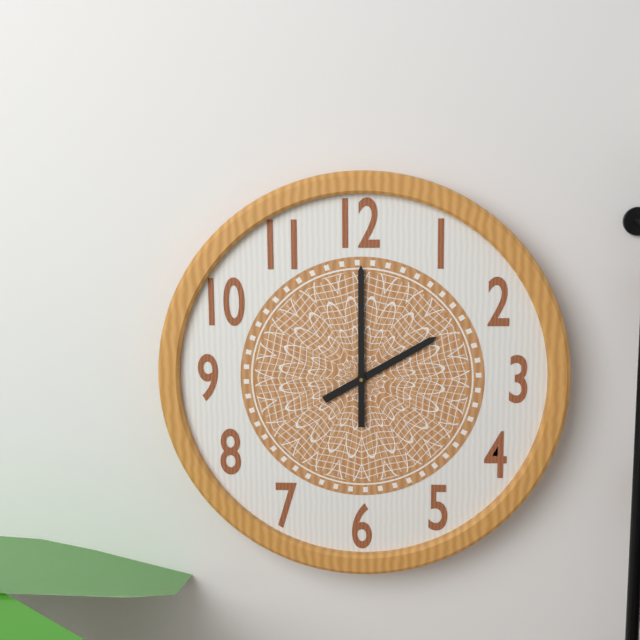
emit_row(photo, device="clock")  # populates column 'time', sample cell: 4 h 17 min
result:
2 h 00 min
